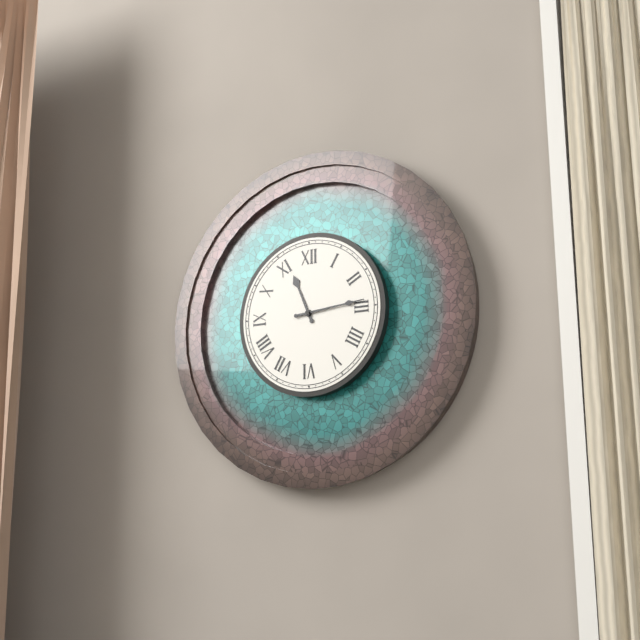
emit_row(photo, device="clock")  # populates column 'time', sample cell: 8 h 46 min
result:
11 h 14 min
